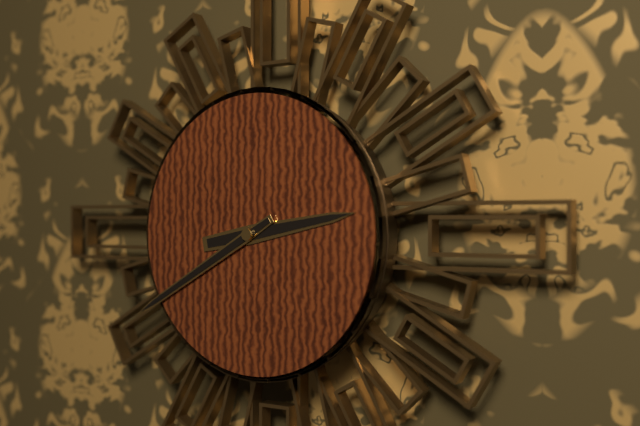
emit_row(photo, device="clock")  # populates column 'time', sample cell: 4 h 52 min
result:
2 h 40 min
